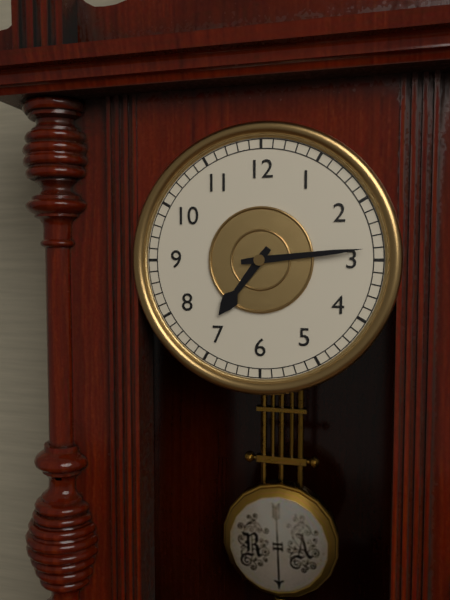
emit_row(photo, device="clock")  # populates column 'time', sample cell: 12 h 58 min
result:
7 h 14 min
